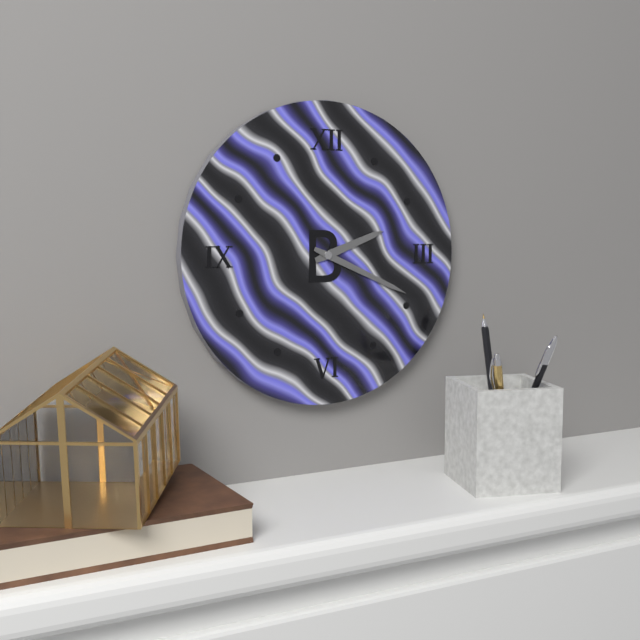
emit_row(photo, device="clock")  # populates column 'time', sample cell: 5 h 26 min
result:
2 h 19 min
